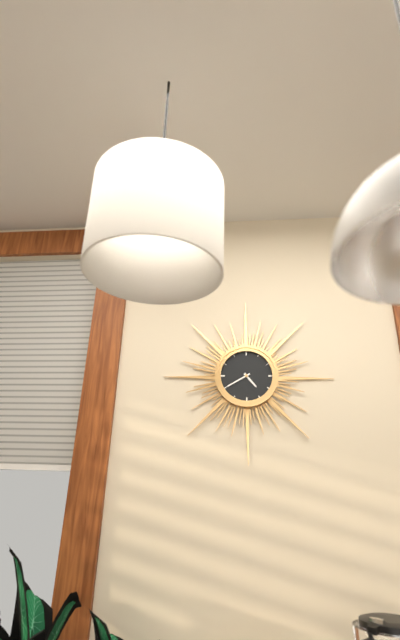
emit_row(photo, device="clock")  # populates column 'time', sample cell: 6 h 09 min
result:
4 h 40 min
